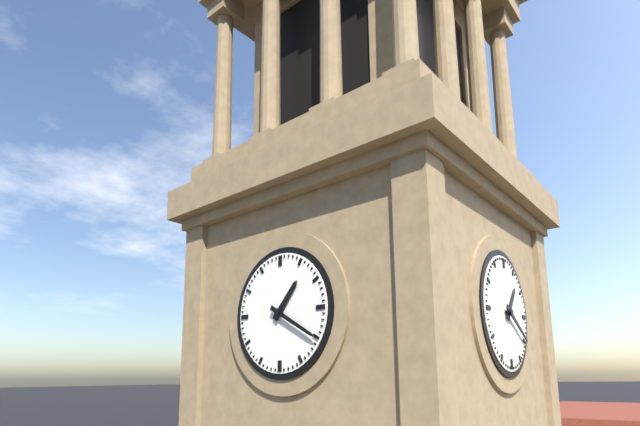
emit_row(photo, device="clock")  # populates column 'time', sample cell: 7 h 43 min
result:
1 h 20 min
